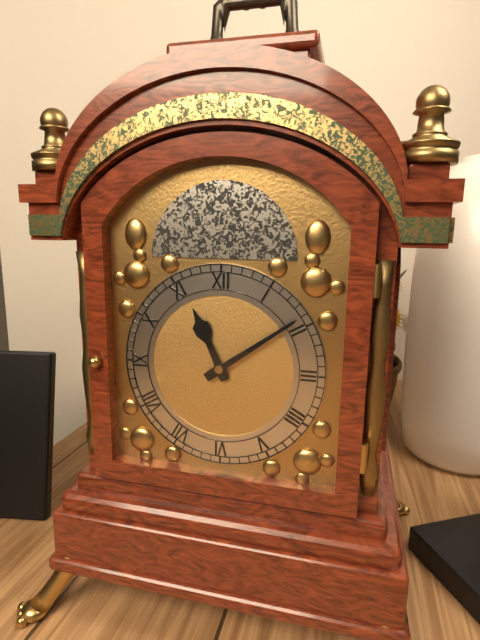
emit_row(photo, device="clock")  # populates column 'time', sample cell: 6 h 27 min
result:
11 h 09 min
